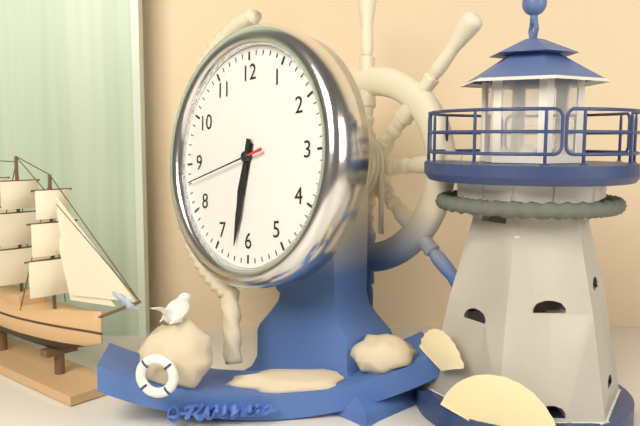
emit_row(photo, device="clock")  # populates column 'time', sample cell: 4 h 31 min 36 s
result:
6 h 32 min 43 s
